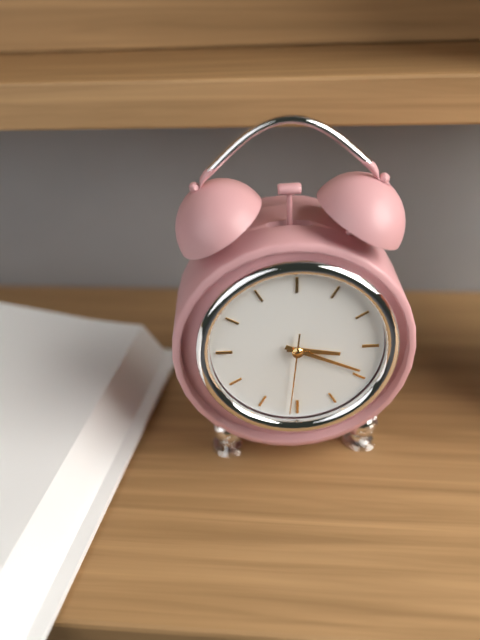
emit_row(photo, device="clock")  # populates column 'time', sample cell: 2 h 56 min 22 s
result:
3 h 19 min 31 s
